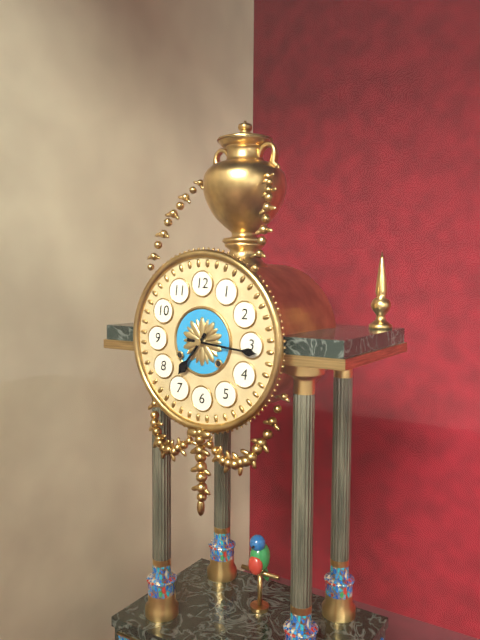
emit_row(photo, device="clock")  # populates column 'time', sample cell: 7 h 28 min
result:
7 h 16 min
